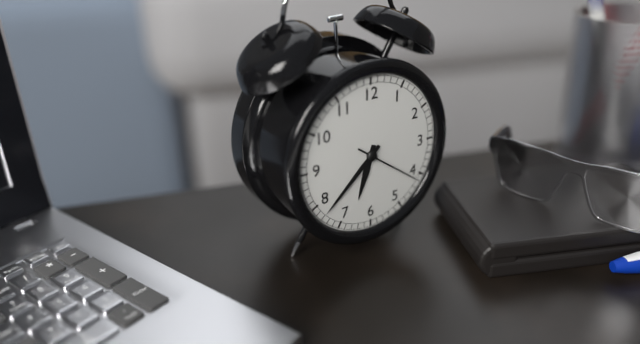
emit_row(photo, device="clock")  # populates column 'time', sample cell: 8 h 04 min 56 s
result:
6 h 38 min 21 s
